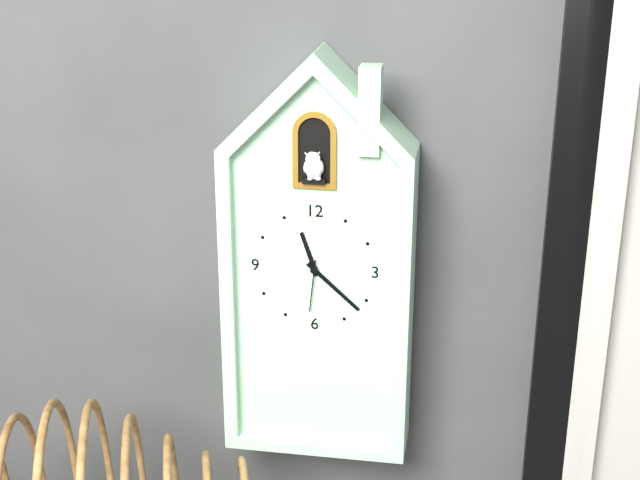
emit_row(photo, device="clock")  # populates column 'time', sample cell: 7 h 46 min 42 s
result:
11 h 22 min 31 s
